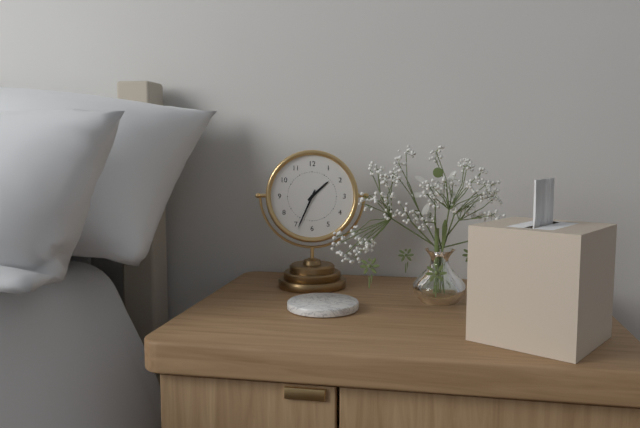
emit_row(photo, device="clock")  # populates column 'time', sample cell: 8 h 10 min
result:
1 h 34 min
